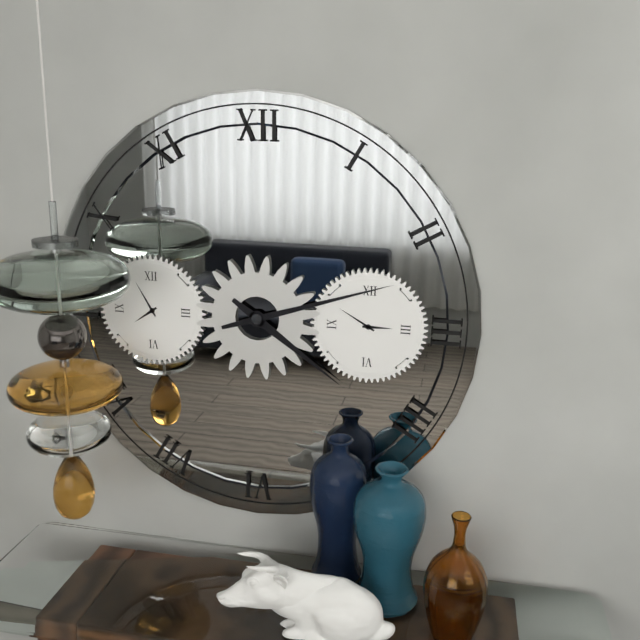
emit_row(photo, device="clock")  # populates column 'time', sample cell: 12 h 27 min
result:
4 h 12 min
